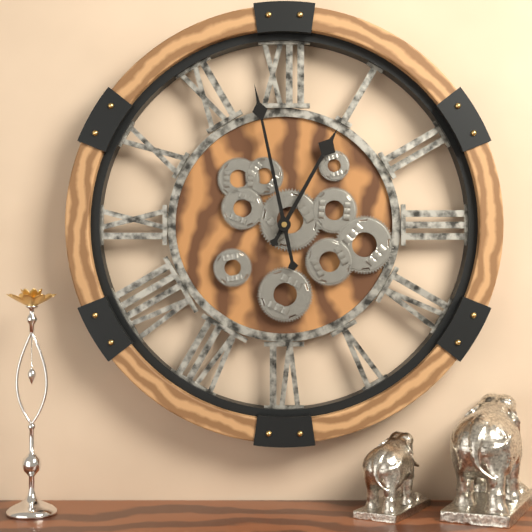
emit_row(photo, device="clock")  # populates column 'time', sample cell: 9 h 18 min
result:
12 h 58 min
